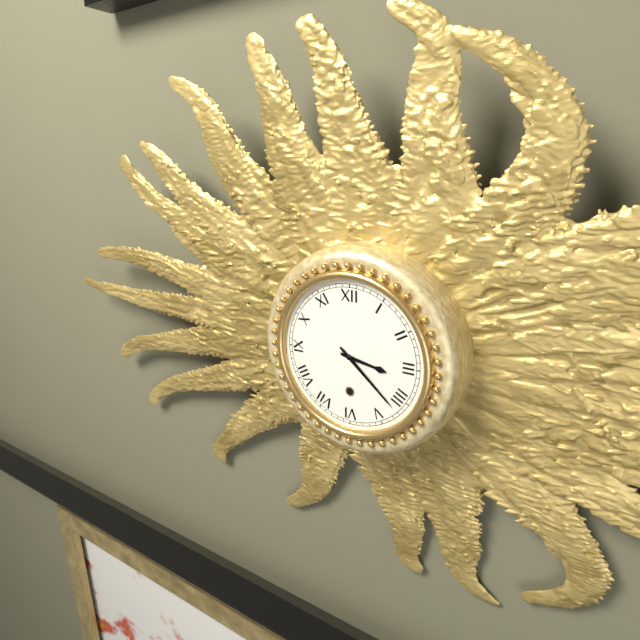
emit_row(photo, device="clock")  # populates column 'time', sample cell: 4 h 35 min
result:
3 h 22 min
